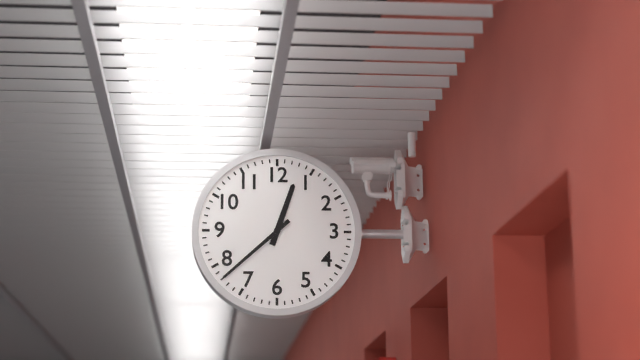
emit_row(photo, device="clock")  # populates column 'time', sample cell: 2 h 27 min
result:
12 h 38 min
